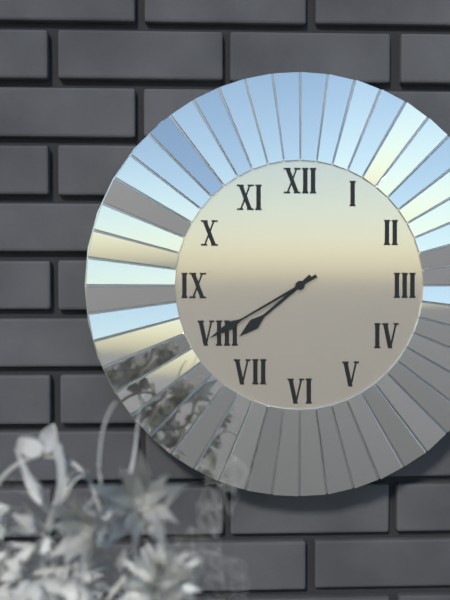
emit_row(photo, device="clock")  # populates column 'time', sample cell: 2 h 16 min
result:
7 h 40 min
